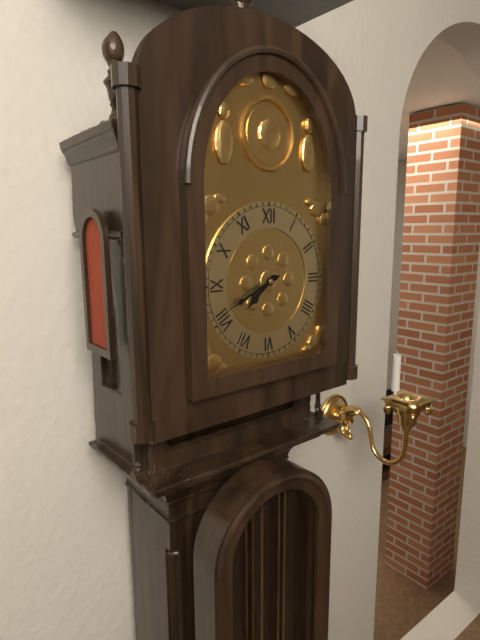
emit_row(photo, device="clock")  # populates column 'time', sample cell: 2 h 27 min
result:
7 h 41 min
